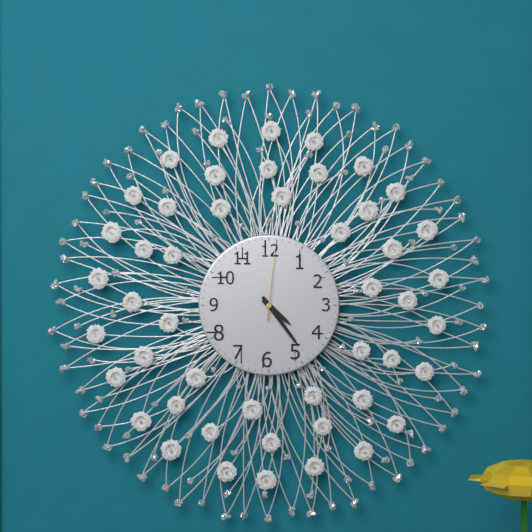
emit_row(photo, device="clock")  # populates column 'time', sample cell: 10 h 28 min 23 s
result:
4 h 24 min 01 s
